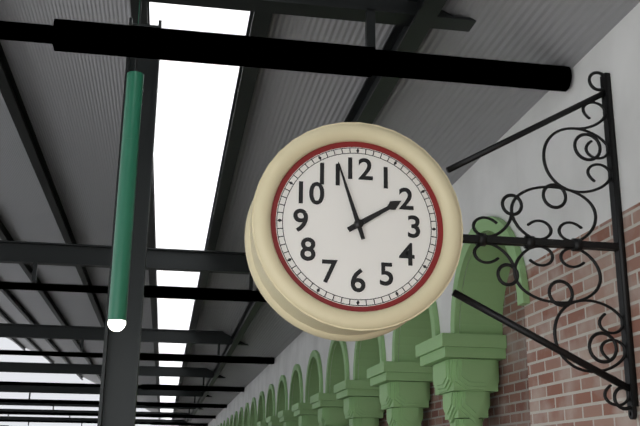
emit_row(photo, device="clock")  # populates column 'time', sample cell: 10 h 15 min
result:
1 h 57 min
